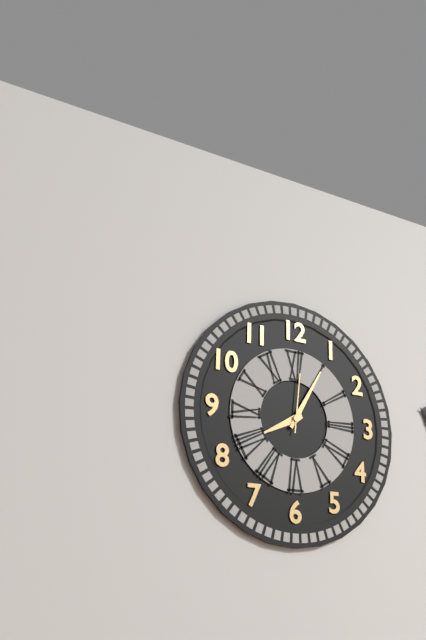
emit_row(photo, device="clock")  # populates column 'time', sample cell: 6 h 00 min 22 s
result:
8 h 05 min 01 s
